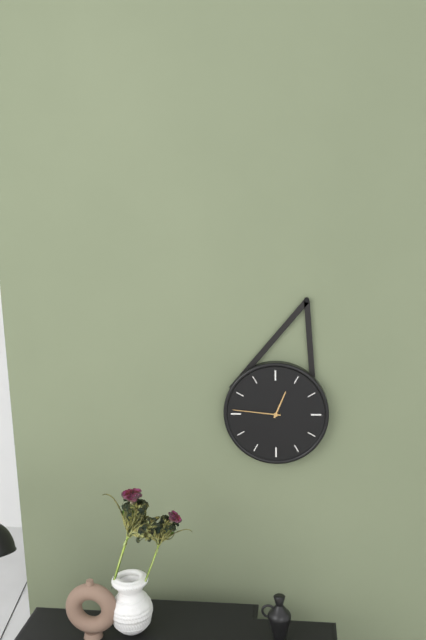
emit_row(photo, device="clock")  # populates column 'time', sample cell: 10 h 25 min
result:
12 h 46 min
